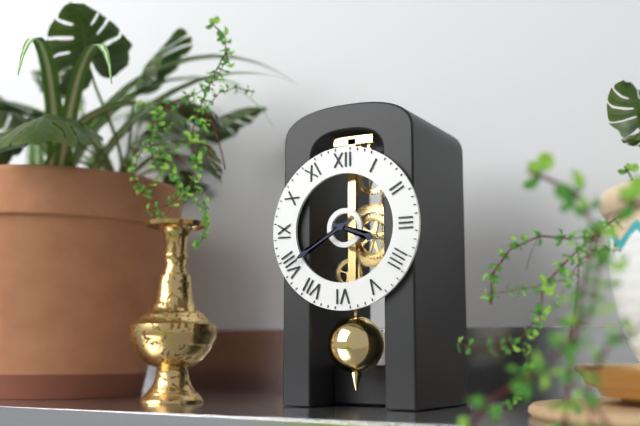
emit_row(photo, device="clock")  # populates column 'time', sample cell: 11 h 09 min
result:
3 h 40 min
